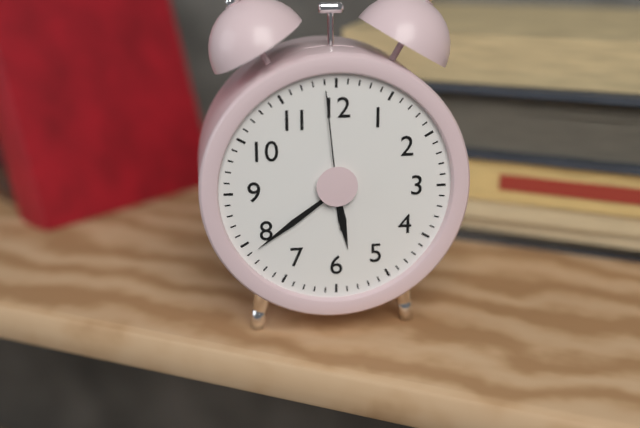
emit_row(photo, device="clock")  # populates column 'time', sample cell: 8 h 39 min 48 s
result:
5 h 39 min 59 s
